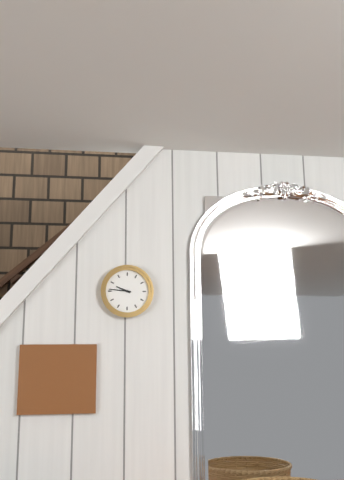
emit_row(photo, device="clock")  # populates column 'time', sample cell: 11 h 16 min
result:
9 h 46 min
